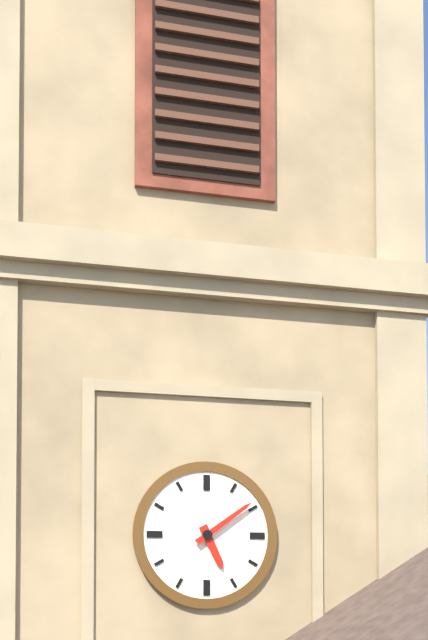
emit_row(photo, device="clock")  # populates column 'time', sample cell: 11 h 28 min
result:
5 h 09 min
